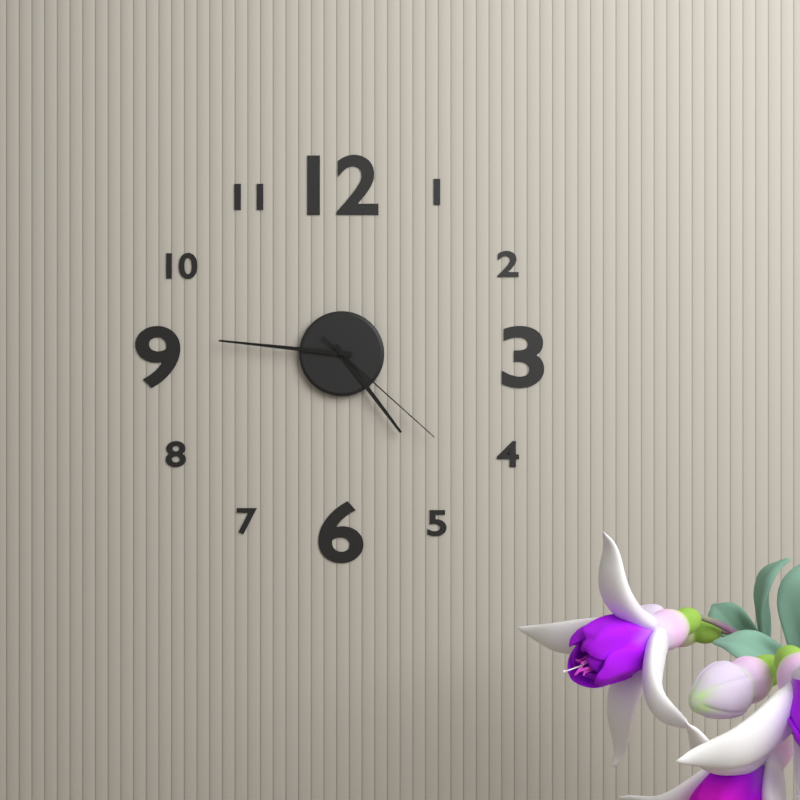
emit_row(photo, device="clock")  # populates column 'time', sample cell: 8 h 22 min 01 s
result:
4 h 46 min 22 s
